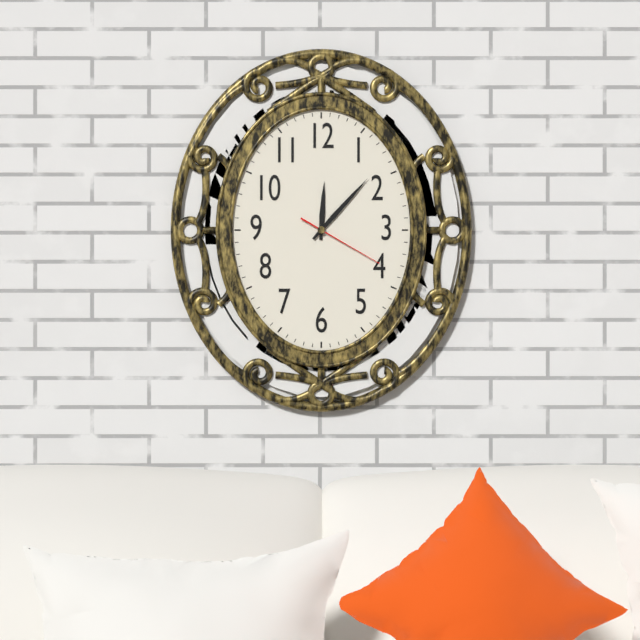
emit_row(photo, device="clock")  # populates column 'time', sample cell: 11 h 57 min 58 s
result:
12 h 07 min 20 s
